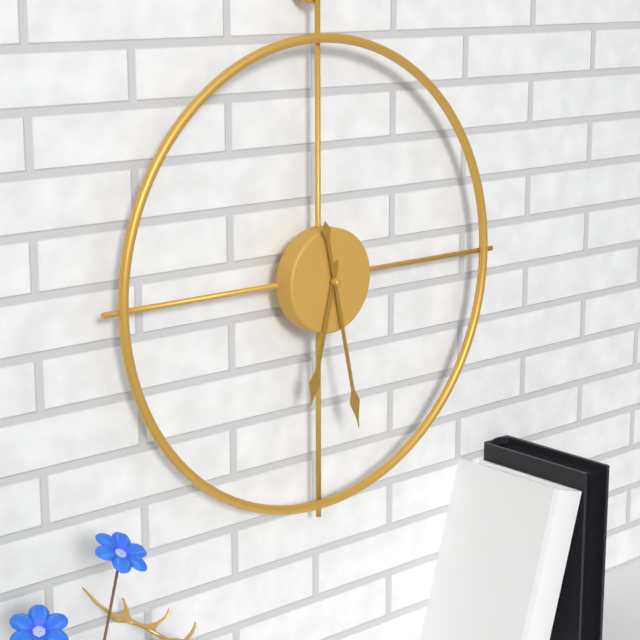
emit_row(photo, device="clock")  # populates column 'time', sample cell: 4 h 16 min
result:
6 h 28 min
